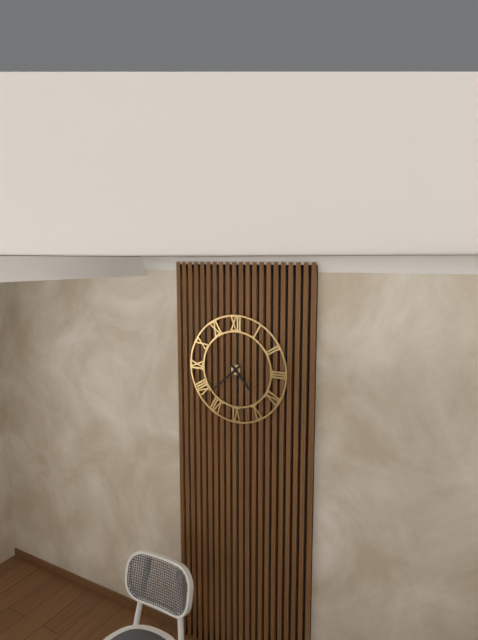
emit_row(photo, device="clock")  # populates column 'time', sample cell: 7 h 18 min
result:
4 h 38 min
